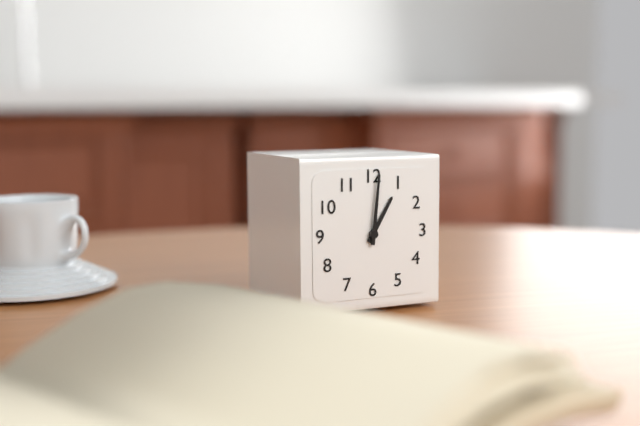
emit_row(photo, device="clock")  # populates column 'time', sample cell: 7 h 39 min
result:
1 h 01 min
